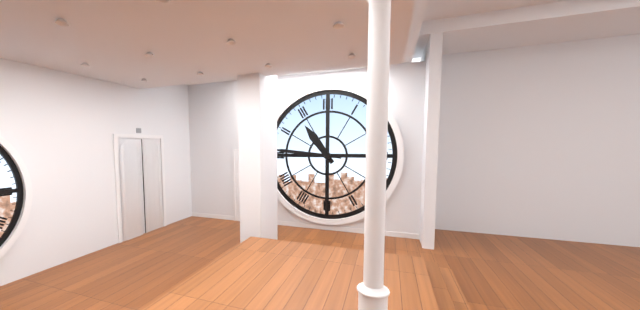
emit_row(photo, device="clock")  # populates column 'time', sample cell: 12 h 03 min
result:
10 h 46 min
